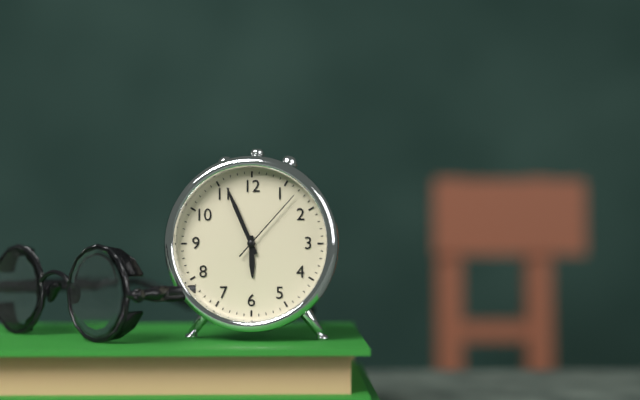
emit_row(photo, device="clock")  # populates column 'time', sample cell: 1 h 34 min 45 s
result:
5 h 56 min 07 s
